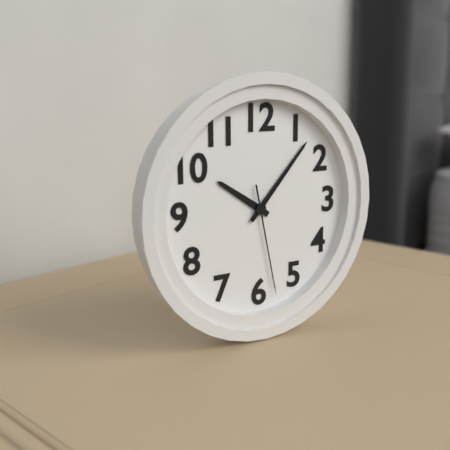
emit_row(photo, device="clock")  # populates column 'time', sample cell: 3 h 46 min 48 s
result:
10 h 07 min 28 s
